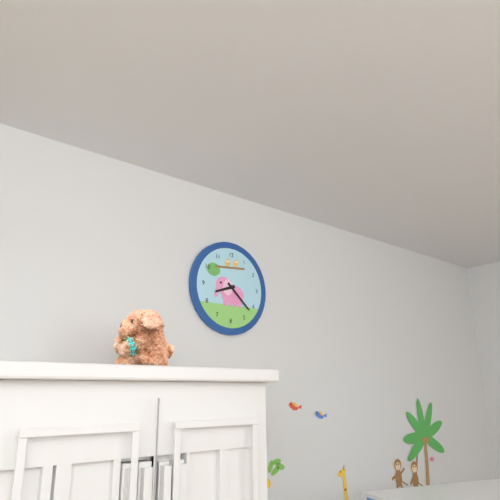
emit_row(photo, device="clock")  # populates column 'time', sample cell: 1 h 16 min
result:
8 h 22 min
